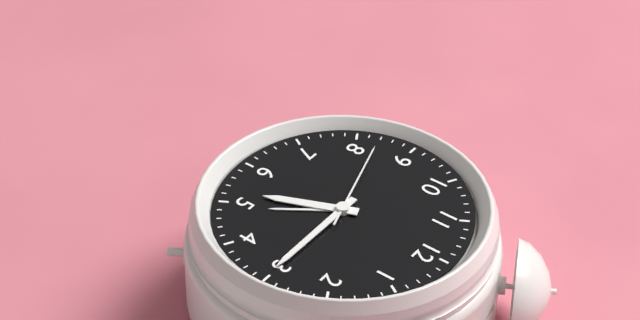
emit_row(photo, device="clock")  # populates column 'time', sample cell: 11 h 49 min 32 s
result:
5 h 15 min 42 s
